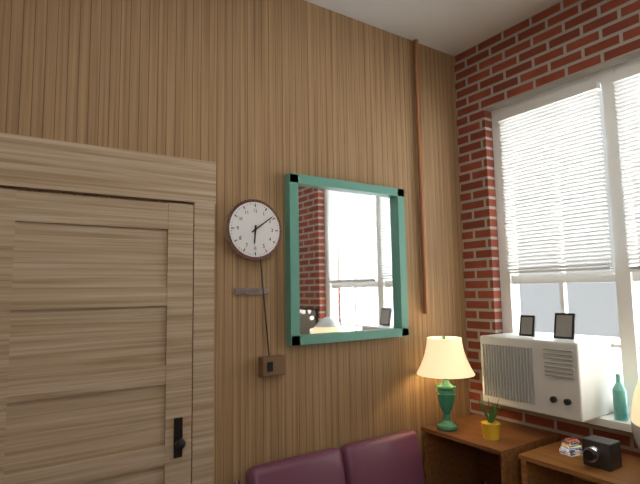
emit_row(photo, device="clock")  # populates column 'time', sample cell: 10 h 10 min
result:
6 h 09 min
